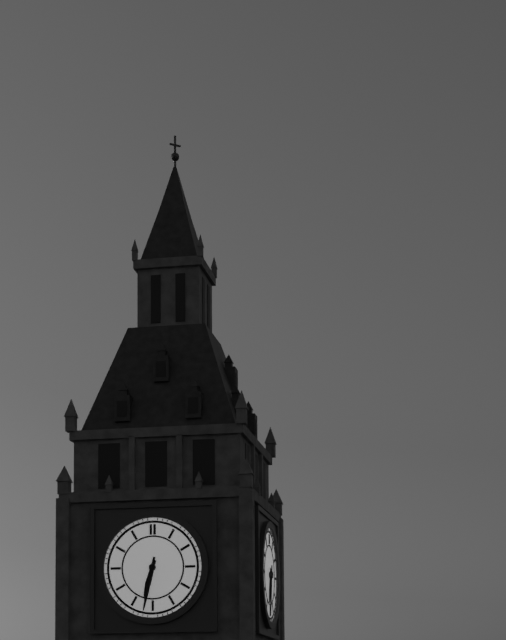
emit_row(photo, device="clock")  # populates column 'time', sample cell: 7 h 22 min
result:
6 h 32 min
